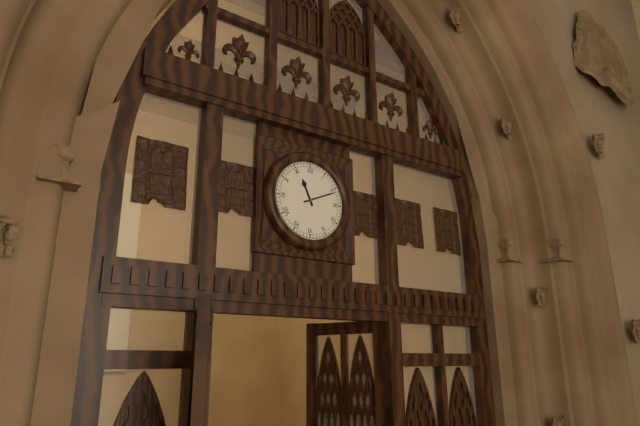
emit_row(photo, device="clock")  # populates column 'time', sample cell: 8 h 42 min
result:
11 h 11 min
